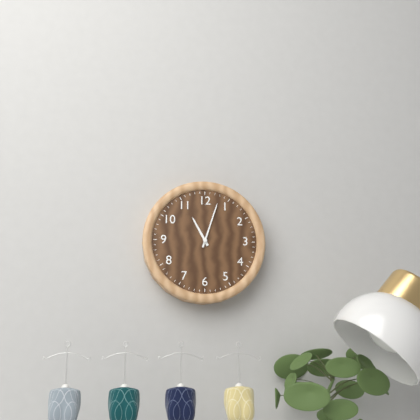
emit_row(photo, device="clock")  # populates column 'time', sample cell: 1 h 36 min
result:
11 h 03 min
